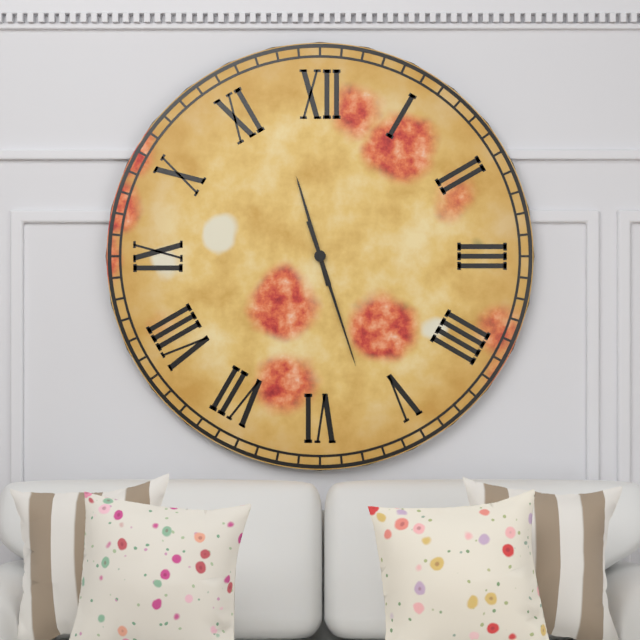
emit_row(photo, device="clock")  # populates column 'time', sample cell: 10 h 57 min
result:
11 h 27 min
